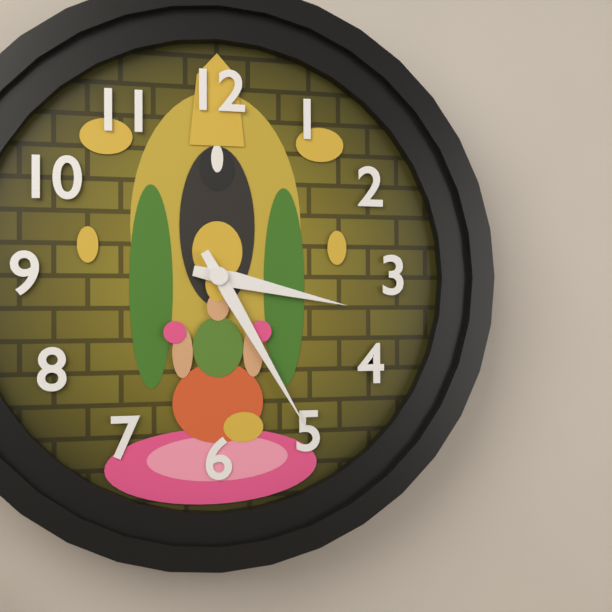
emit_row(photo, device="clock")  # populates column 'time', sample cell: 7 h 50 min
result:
3 h 25 min
